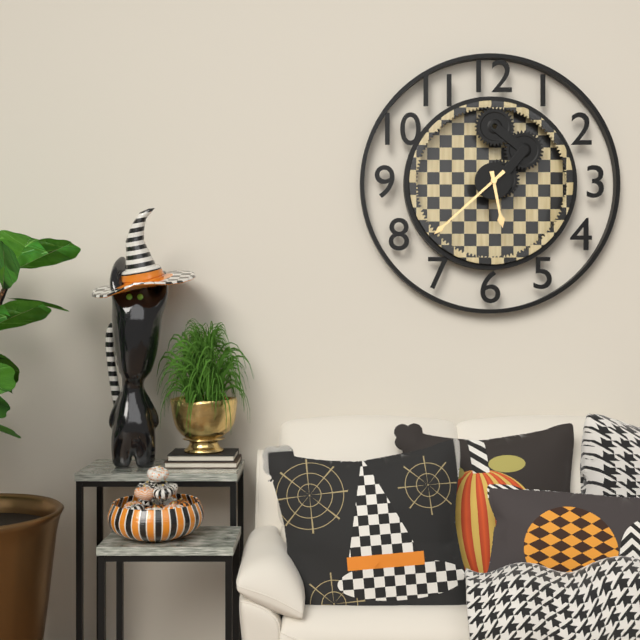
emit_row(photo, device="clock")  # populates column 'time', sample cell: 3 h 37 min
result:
5 h 38 min
